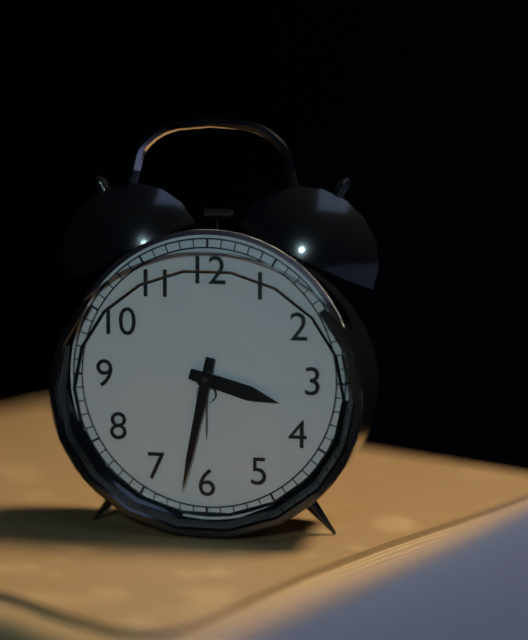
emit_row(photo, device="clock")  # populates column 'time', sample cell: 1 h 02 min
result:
3 h 32 min
